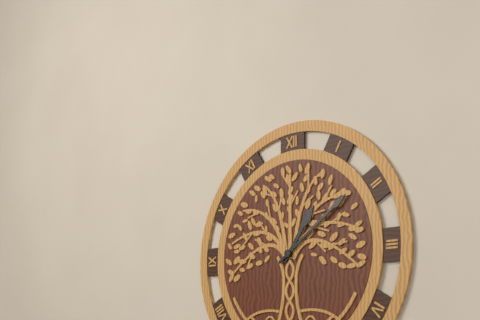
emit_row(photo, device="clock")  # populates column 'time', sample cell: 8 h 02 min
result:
1 h 09 min
